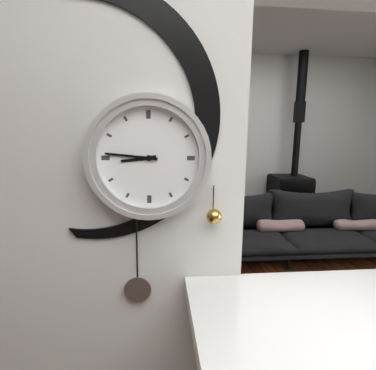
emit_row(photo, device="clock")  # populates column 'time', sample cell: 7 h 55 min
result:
8 h 46 min
